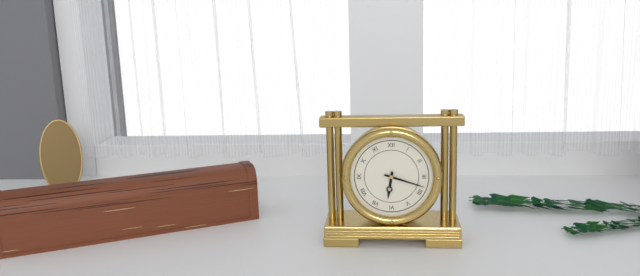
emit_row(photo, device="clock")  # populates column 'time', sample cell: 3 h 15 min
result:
6 h 18 min
